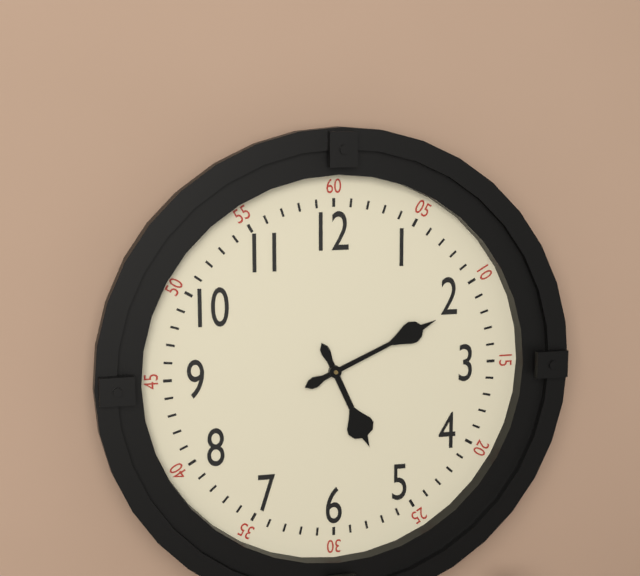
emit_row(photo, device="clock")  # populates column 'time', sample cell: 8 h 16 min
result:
5 h 11 min
